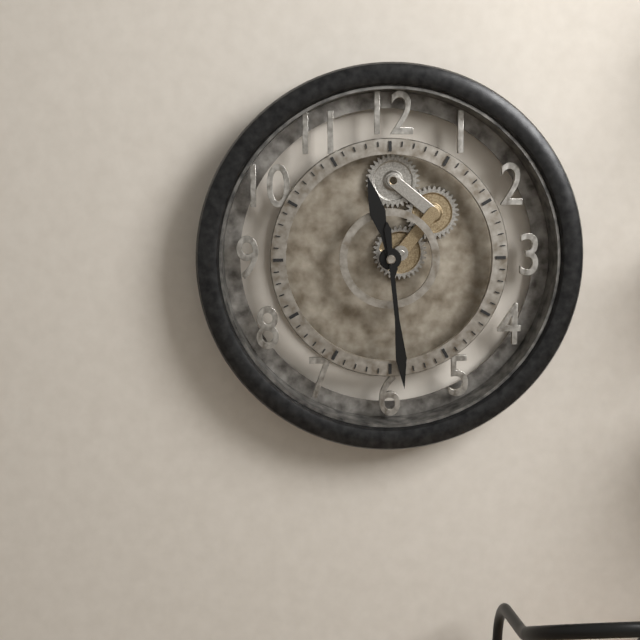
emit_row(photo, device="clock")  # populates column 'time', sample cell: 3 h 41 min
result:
11 h 29 min
